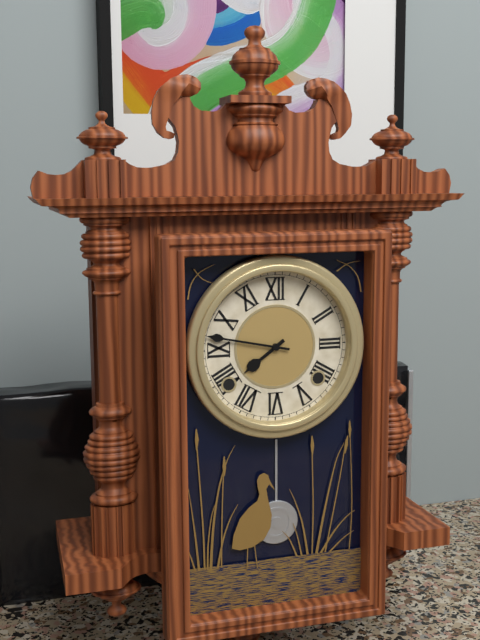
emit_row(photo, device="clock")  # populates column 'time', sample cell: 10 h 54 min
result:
7 h 47 min
